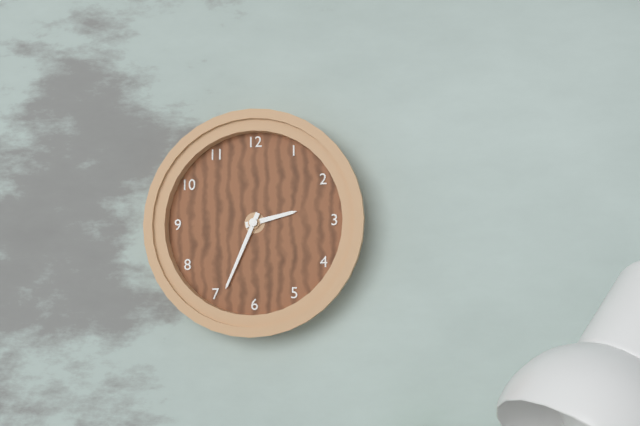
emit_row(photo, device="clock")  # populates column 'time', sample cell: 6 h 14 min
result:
2 h 34 min
